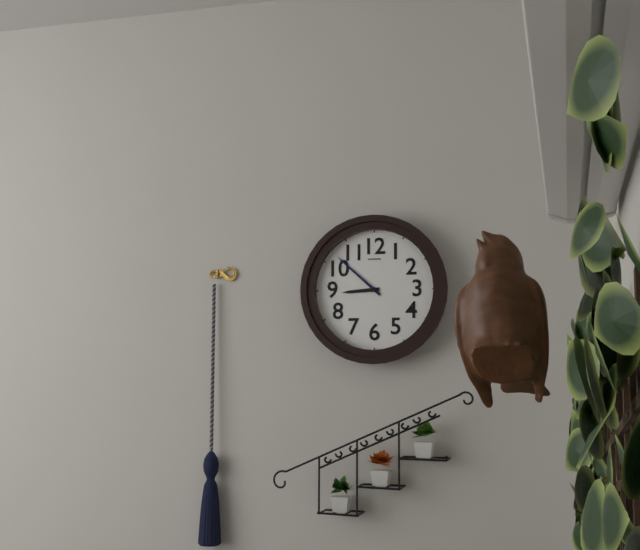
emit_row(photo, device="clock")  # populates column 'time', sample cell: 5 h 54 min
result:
8 h 52 min
